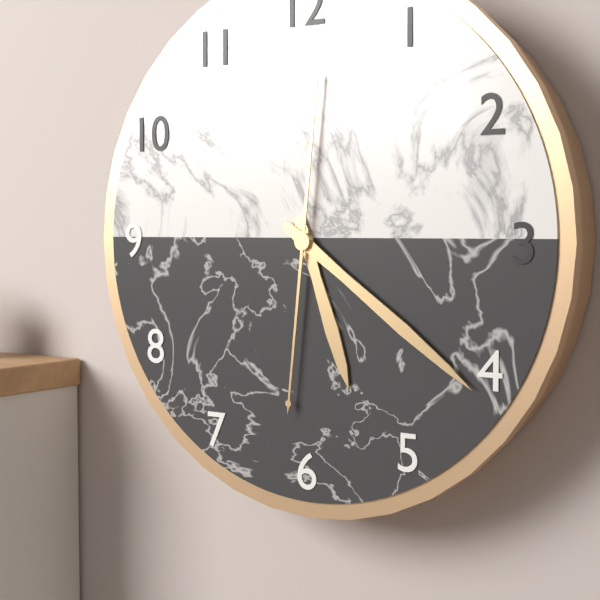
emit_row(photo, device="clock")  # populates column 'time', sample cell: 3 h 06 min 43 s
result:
5 h 21 min 31 s
